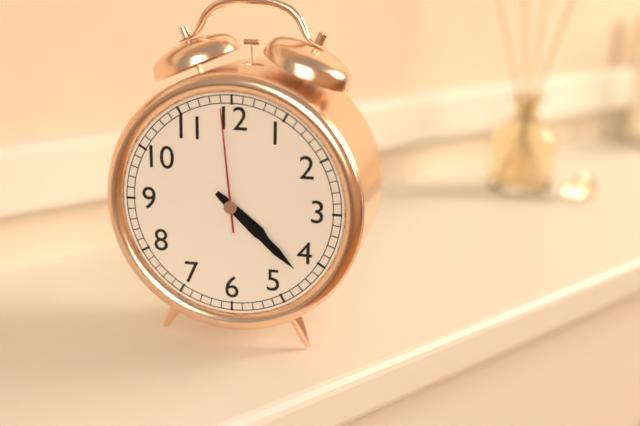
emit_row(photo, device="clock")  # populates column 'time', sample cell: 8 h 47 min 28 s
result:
4 h 22 min 59 s
